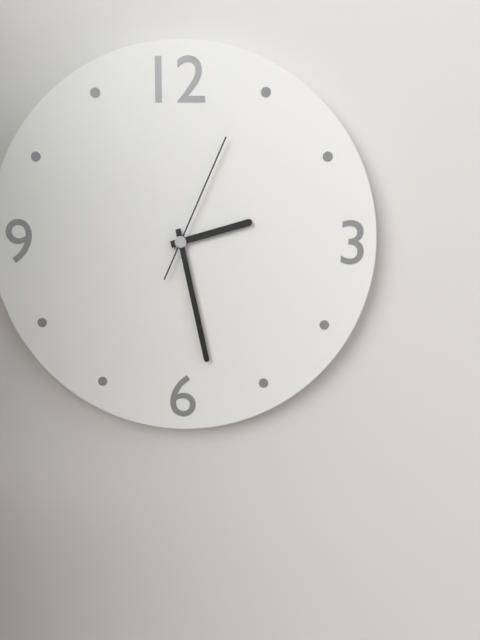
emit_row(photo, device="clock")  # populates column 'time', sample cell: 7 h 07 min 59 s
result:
2 h 28 min 04 s
